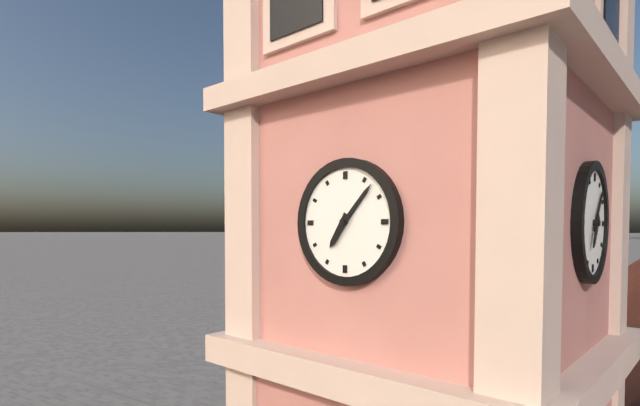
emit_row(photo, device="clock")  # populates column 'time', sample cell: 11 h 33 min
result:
7 h 07 min
